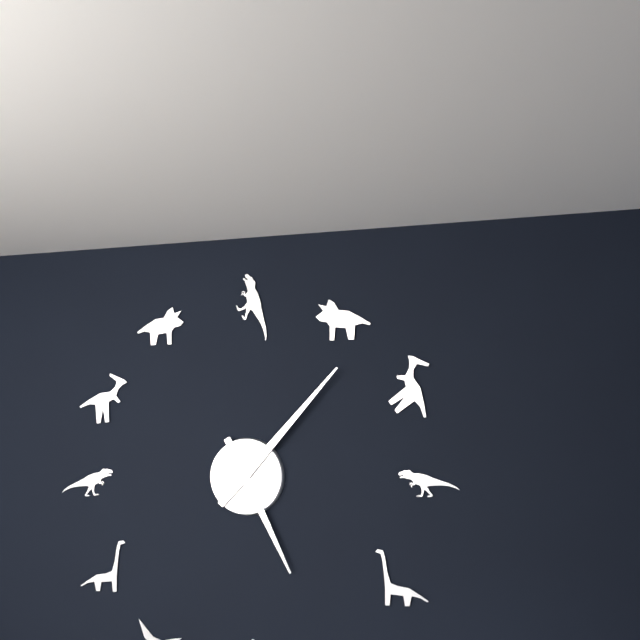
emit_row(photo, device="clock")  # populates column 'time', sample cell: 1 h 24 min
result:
5 h 07 min
